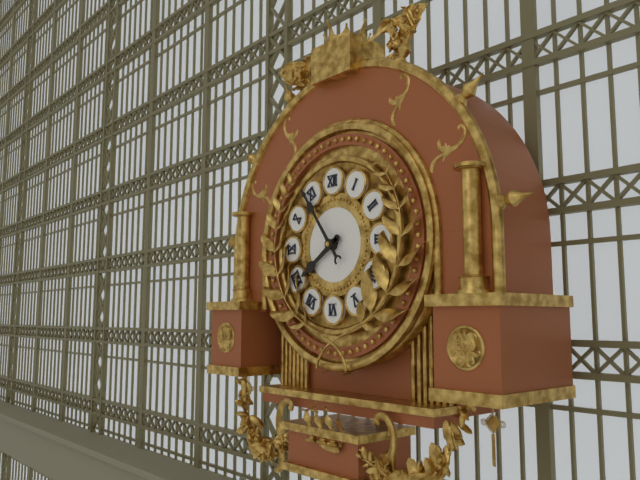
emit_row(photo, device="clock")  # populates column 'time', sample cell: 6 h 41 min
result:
7 h 54 min
